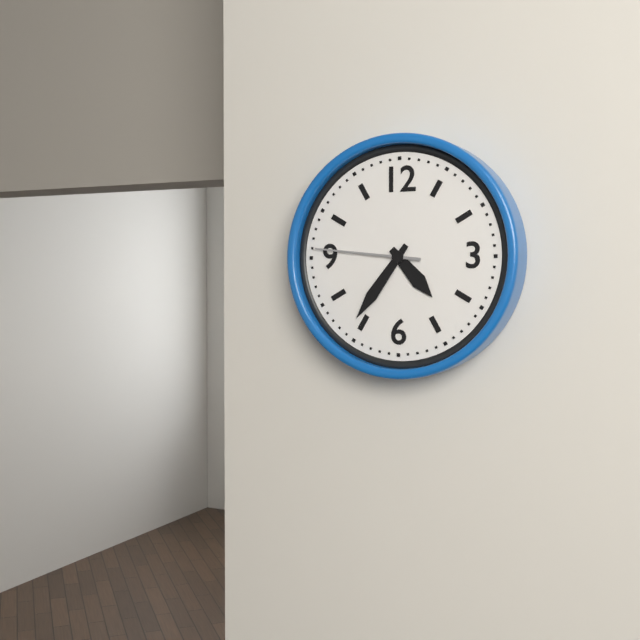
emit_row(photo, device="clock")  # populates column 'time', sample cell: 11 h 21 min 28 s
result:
4 h 36 min 46 s
